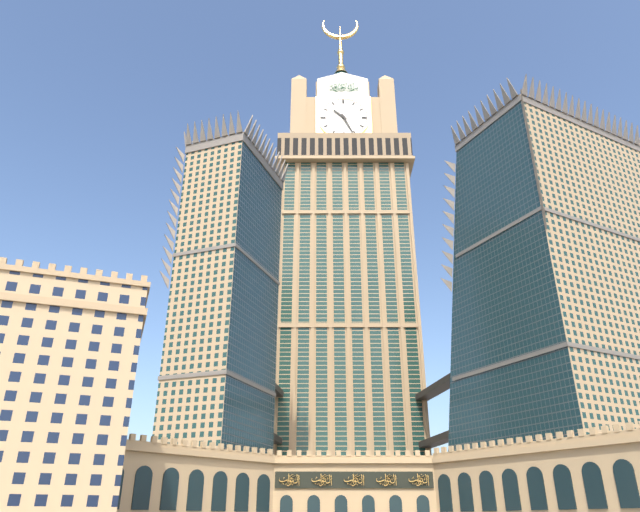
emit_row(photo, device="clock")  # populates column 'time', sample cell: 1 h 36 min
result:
10 h 26 min
